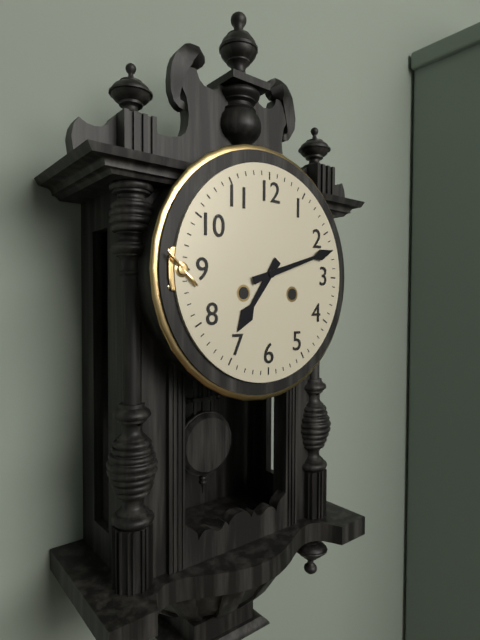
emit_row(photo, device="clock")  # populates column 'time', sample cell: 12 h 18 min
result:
7 h 12 min
